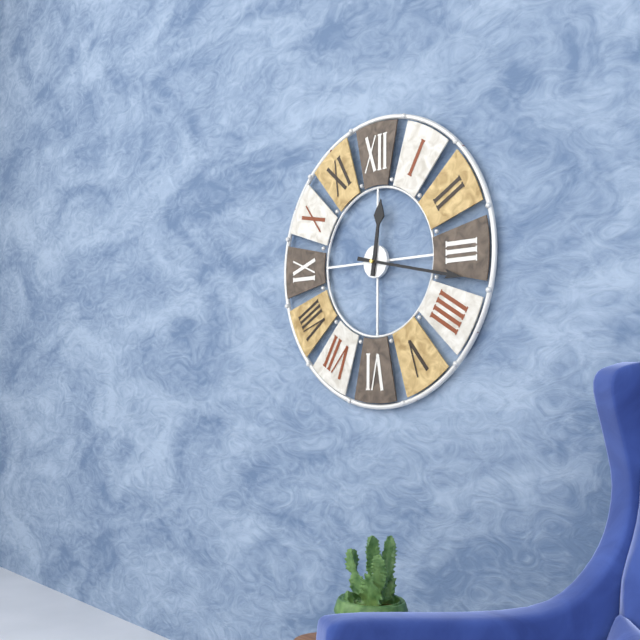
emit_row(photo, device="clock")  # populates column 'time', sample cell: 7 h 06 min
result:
12 h 17 min
